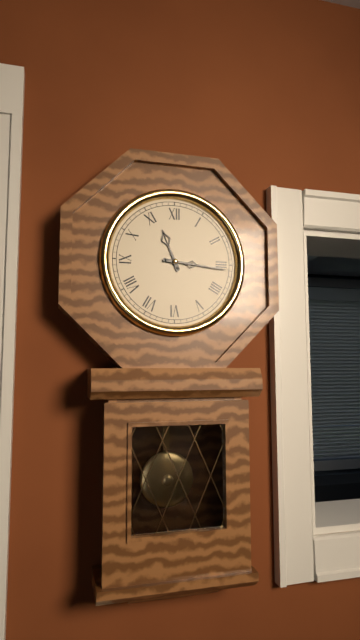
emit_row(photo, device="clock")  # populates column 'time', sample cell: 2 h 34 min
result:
11 h 16 min
